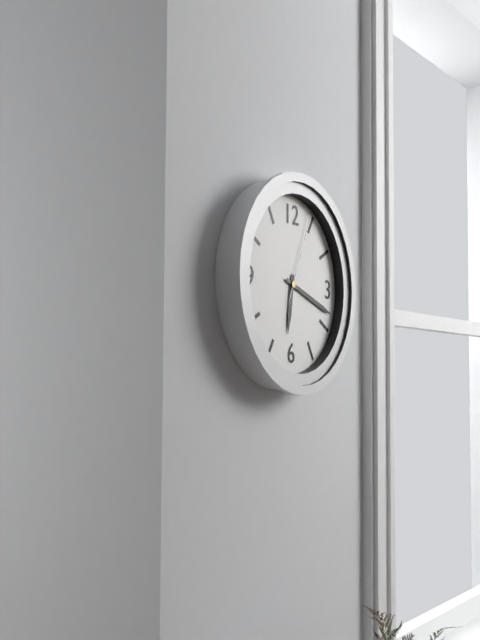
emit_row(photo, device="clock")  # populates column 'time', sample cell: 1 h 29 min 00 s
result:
6 h 18 min 04 s
